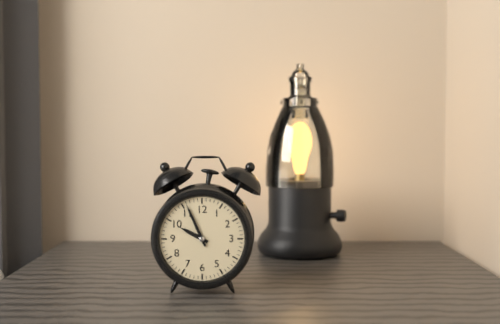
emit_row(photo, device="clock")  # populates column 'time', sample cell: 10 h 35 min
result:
9 h 56 min
